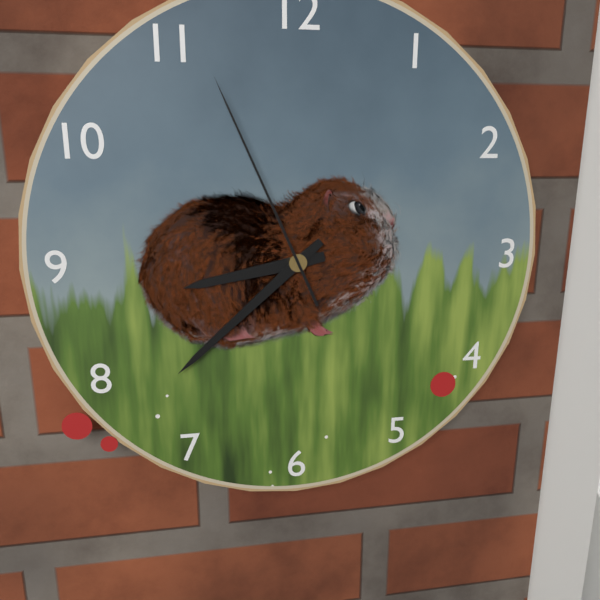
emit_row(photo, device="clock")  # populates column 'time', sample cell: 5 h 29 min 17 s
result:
8 h 38 min 56 s
